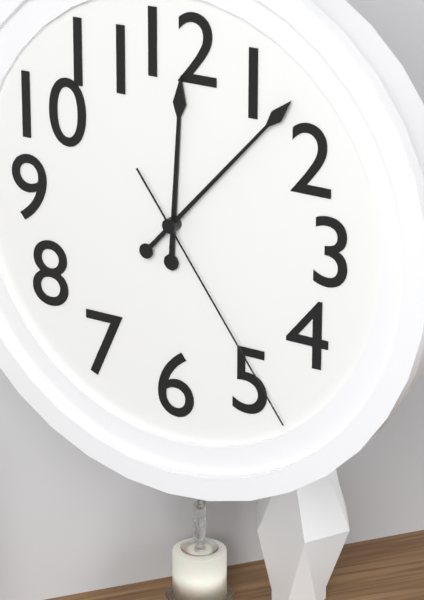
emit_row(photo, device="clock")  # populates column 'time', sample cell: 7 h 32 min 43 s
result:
12 h 07 min 24 s
